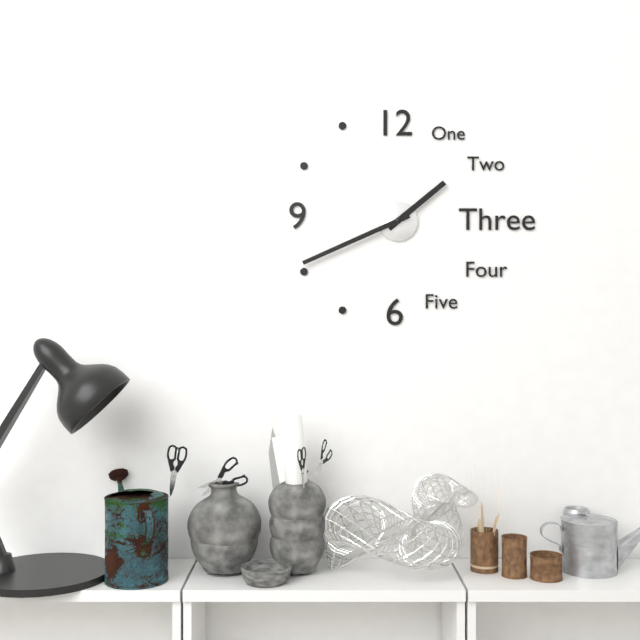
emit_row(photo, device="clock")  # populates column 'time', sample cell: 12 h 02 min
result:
1 h 41 min
